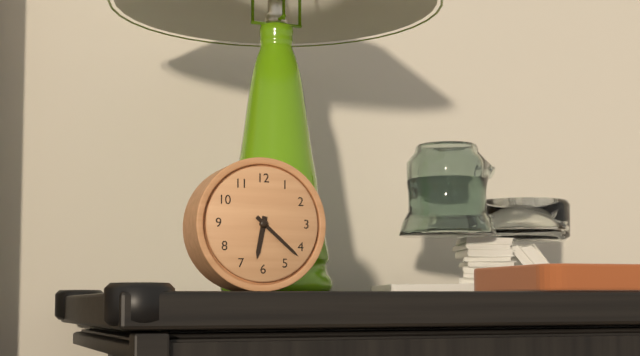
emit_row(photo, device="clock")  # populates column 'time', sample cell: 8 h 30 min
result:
6 h 22 min
